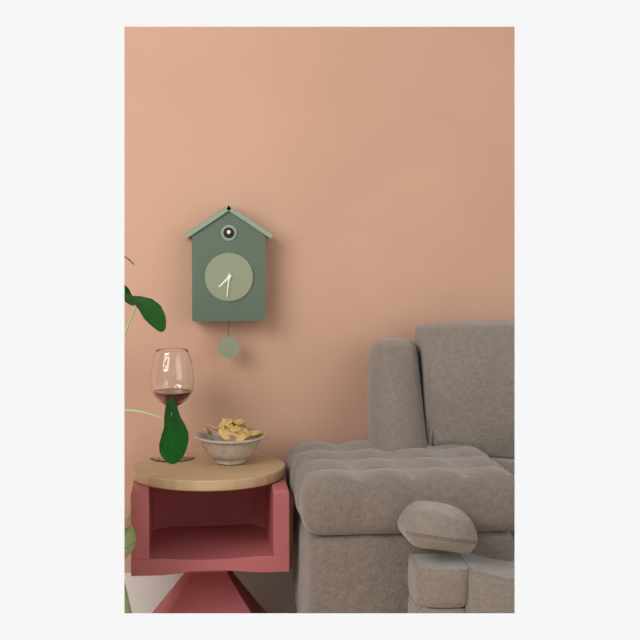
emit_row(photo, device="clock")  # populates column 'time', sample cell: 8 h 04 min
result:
7 h 31 min
